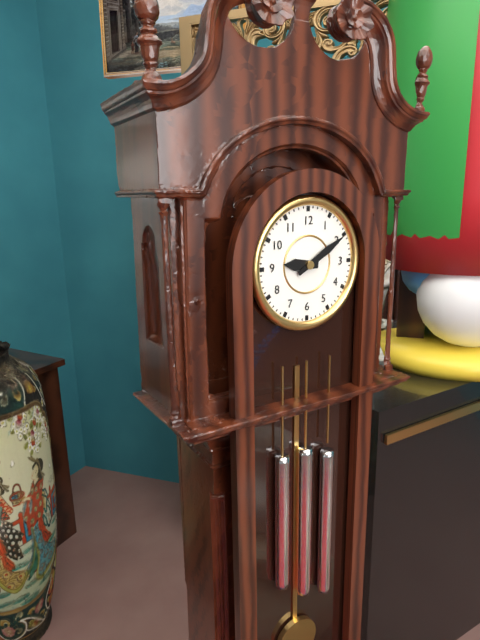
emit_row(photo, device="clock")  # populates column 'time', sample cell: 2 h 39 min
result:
9 h 10 min
